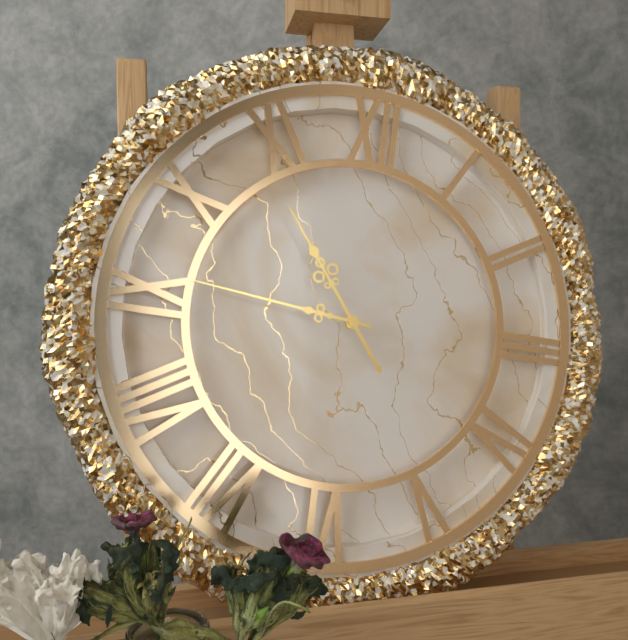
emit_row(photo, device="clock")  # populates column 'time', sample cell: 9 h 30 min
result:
10 h 46 min
